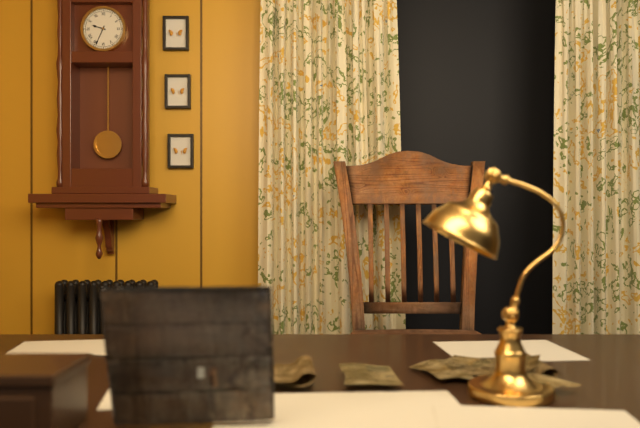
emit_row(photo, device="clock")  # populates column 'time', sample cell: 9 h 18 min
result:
9 h 34 min
